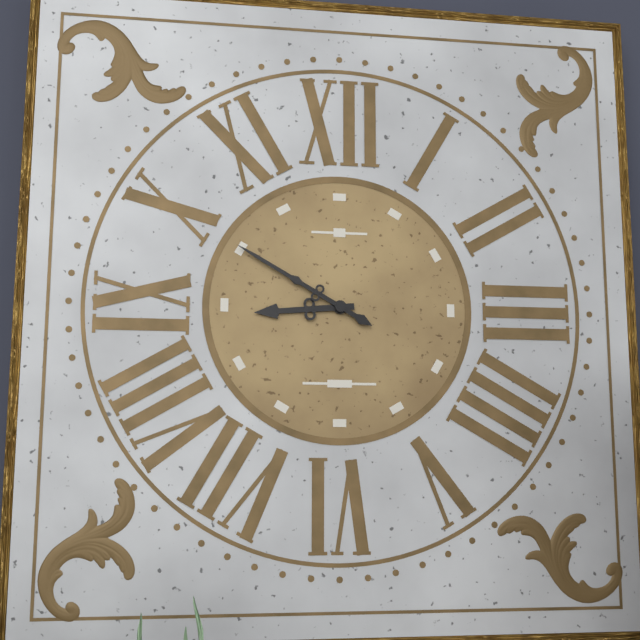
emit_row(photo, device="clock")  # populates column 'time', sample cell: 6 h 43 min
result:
8 h 50 min
